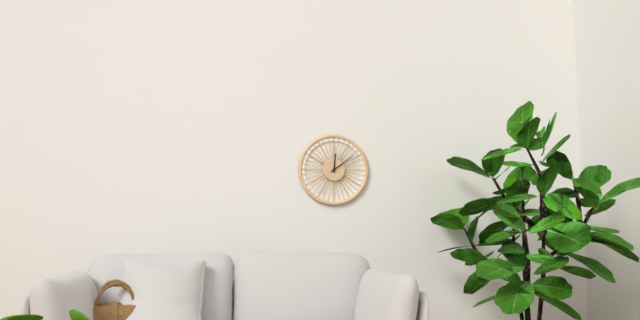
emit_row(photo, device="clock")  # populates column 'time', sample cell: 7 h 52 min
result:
12 h 09 min
